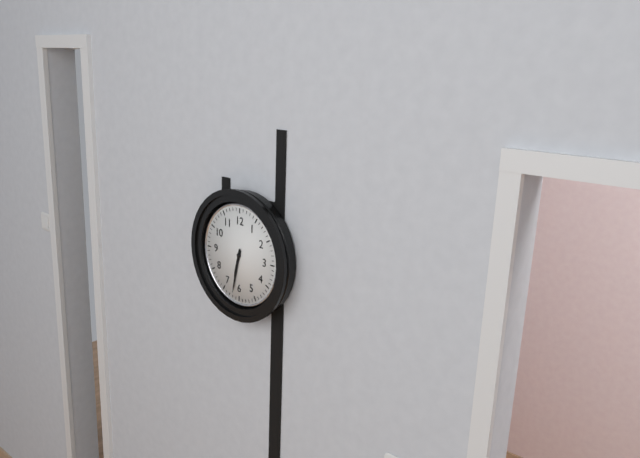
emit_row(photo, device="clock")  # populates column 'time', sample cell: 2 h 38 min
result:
6 h 32 min
